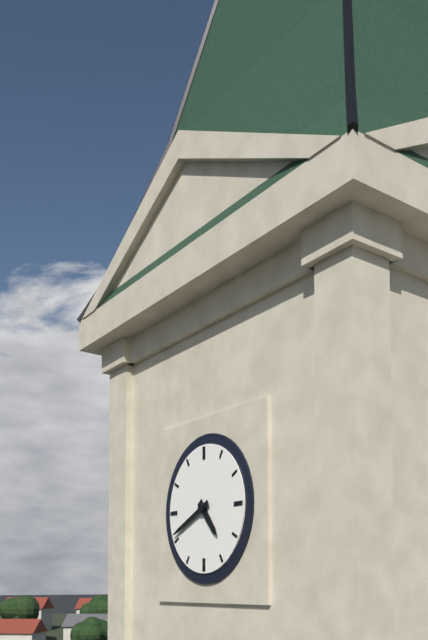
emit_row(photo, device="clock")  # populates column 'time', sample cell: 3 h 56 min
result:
4 h 41 min
